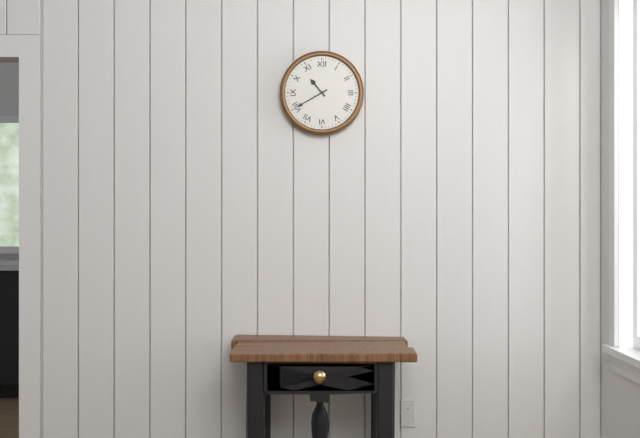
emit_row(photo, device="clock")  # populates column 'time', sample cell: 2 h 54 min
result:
10 h 40 min
